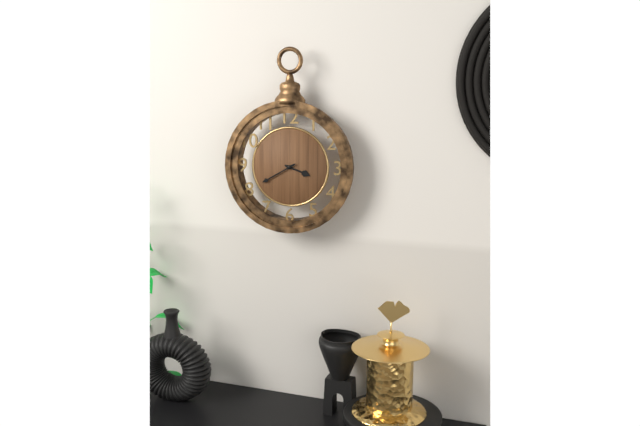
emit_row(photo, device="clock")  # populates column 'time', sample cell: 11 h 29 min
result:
3 h 40 min
